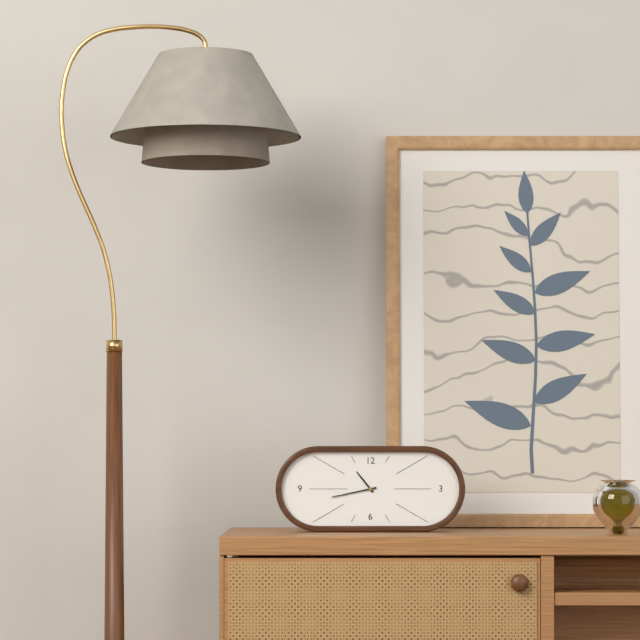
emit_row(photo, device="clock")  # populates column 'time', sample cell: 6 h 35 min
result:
10 h 43 min
